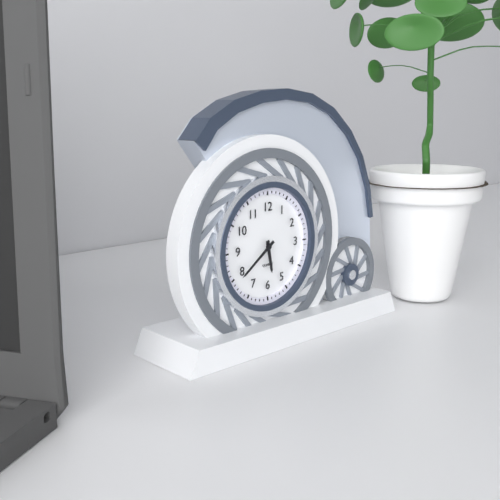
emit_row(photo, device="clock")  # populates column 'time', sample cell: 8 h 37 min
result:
5 h 39 min
